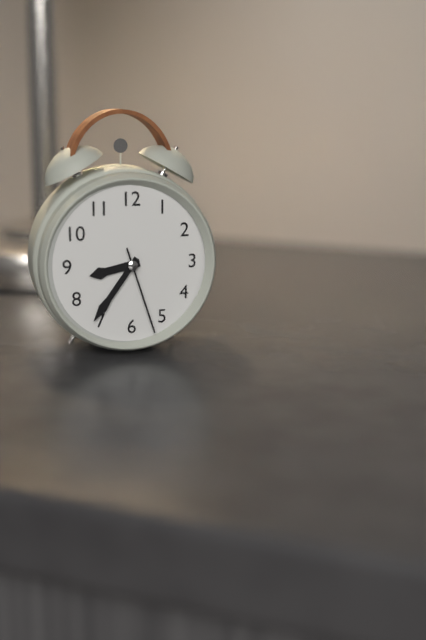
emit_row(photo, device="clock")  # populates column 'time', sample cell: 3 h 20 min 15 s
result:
8 h 36 min 27 s
